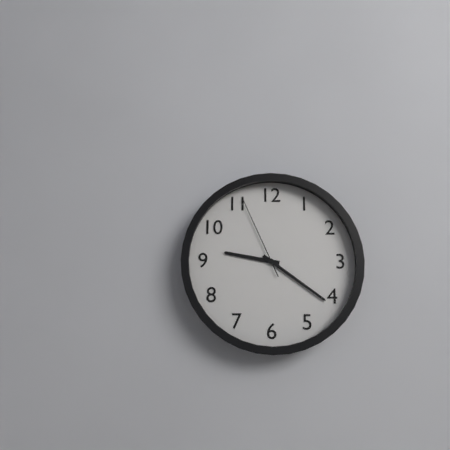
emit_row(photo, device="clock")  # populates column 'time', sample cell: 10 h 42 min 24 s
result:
9 h 21 min 56 s
